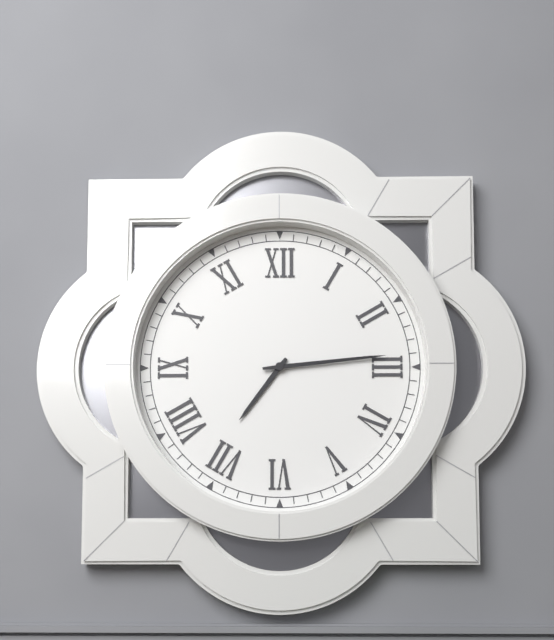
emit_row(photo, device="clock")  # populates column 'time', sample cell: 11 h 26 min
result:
7 h 14 min
